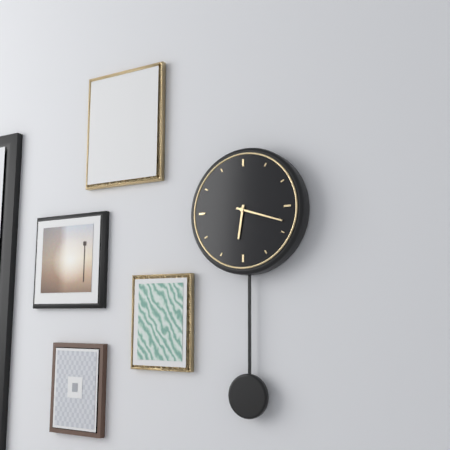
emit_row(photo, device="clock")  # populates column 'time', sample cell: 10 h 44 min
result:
6 h 18 min
